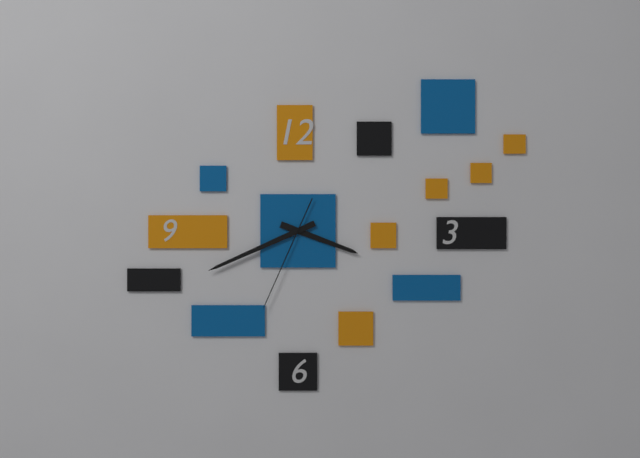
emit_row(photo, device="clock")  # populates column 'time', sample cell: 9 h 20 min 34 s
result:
3 h 41 min 34 s
